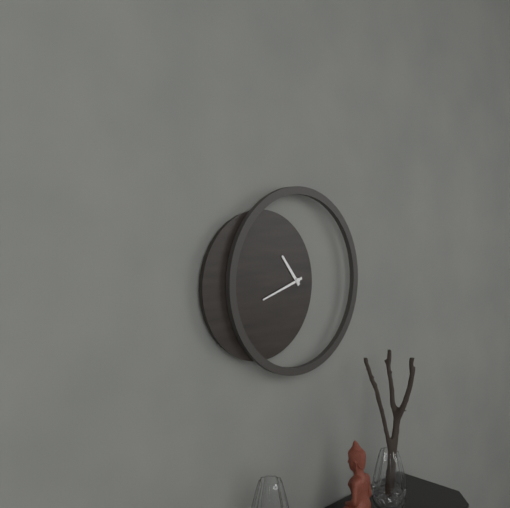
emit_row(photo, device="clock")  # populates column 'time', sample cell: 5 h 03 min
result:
10 h 42 min
